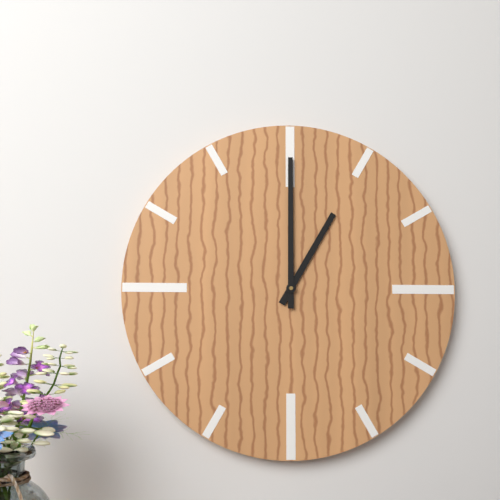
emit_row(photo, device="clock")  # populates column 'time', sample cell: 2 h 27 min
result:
1 h 00 min
